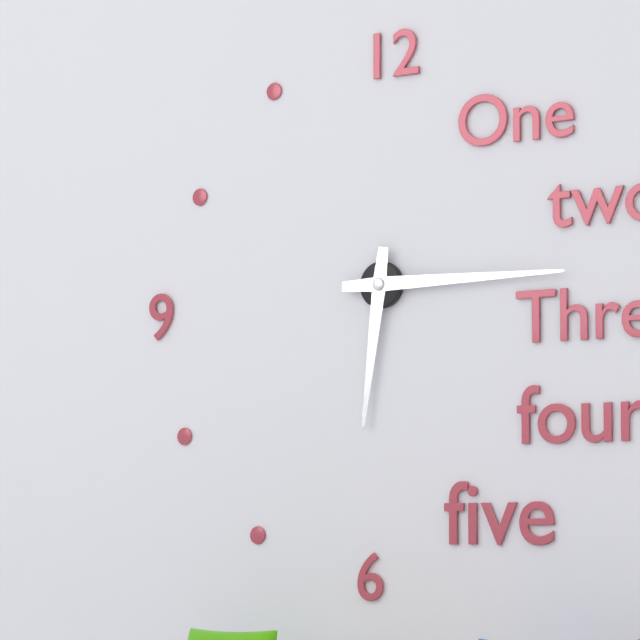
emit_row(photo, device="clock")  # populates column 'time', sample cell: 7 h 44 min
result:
6 h 15 min
